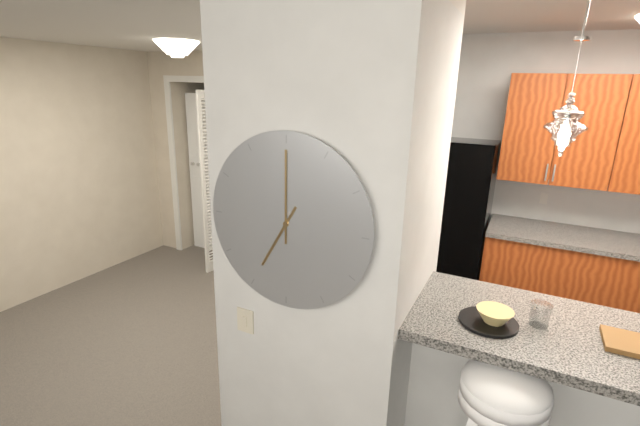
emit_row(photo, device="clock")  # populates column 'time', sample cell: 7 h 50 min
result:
7 h 00 min
